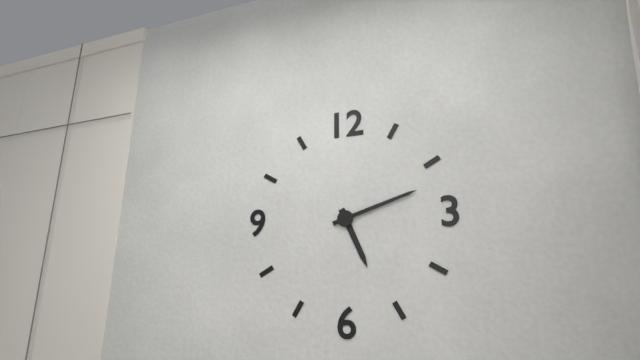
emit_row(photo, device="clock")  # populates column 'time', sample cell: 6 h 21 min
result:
5 h 12 min
